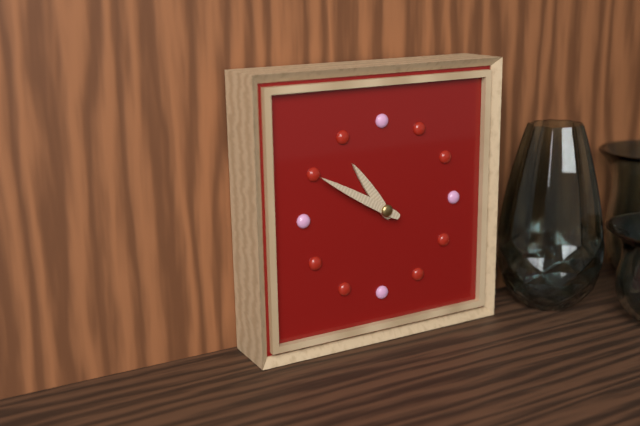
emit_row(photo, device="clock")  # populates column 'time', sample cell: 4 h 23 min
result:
10 h 50 min
